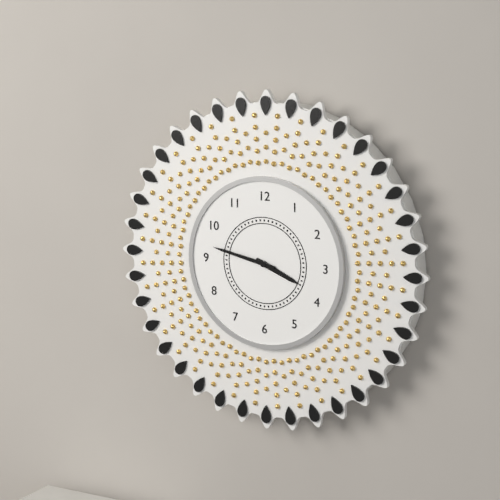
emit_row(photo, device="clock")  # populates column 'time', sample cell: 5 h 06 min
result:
3 h 47 min
